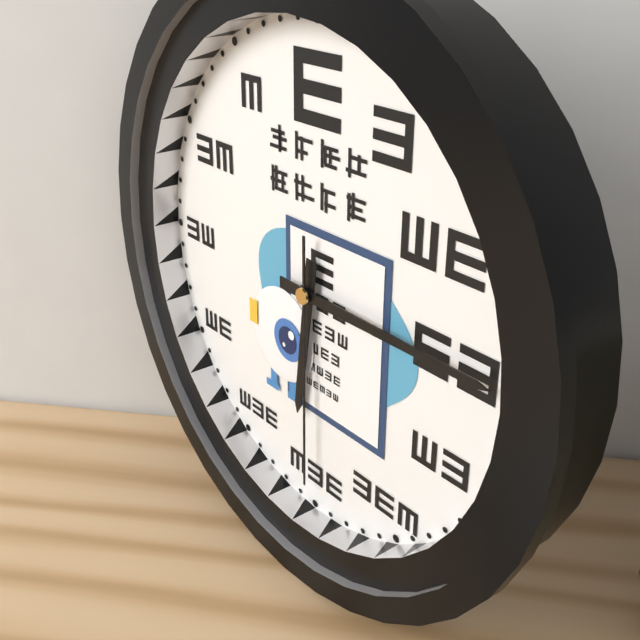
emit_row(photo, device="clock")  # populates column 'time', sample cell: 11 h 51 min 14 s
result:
6 h 15 min 30 s
